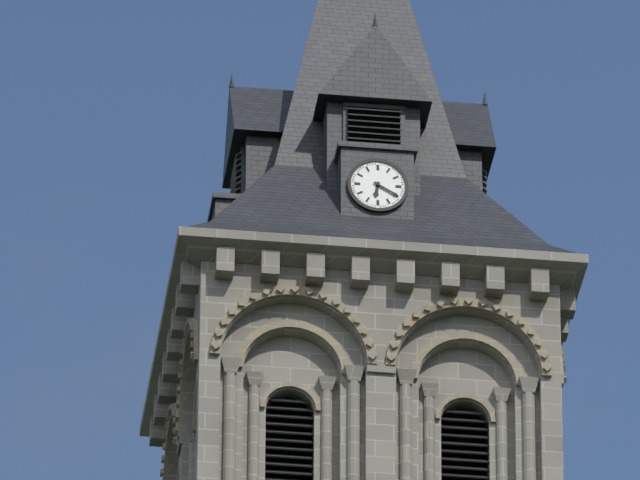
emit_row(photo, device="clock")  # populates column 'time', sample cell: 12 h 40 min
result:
6 h 20 min
